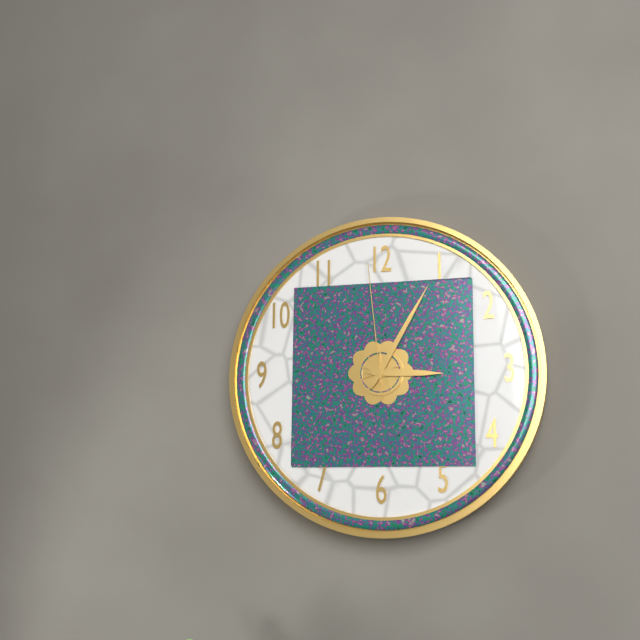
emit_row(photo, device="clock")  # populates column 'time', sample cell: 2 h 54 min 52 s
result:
3 h 05 min 59 s
